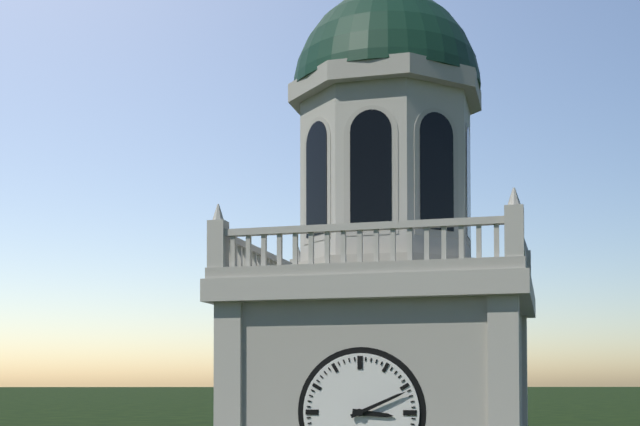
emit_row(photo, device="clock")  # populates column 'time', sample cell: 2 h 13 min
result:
3 h 11 min
